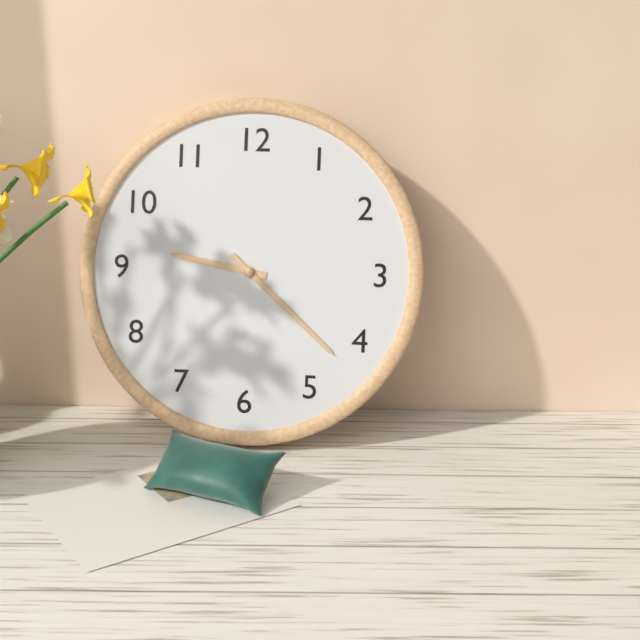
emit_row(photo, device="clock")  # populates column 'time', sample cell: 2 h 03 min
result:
9 h 22 min
